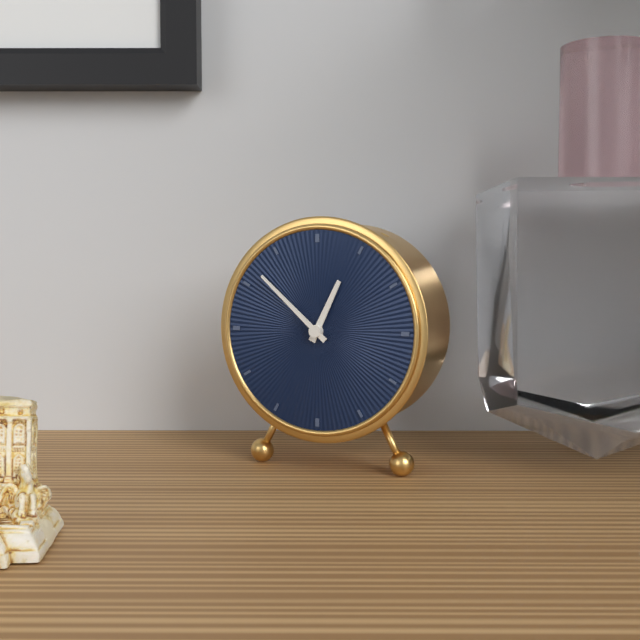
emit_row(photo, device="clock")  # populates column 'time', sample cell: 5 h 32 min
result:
12 h 52 min
